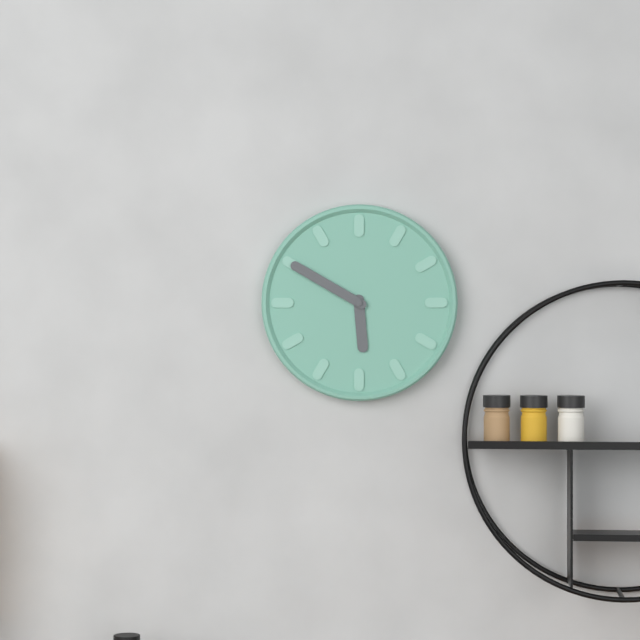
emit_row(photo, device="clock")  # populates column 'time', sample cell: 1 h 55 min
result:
5 h 50 min
